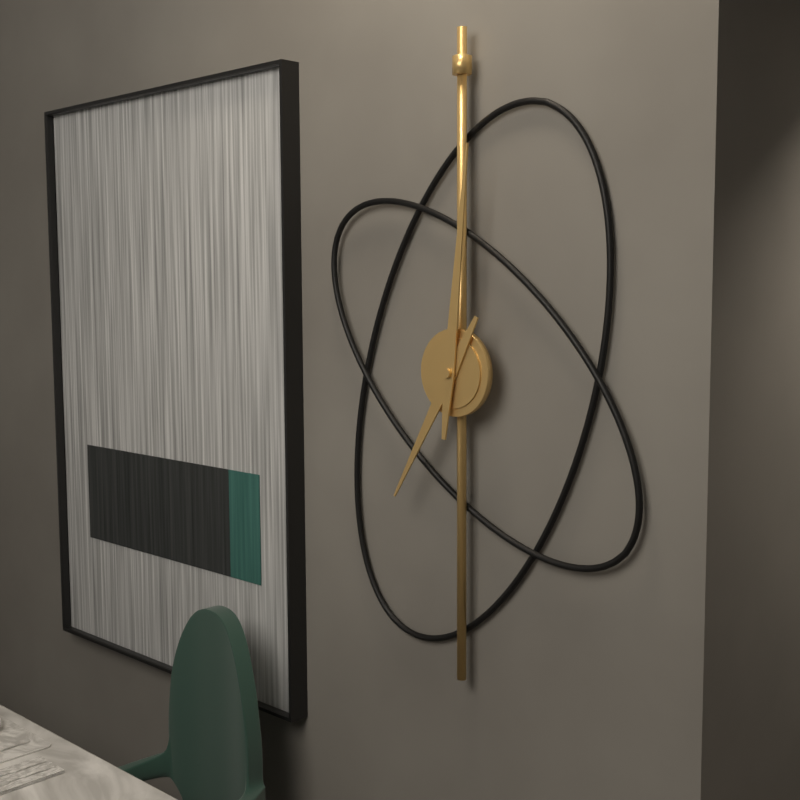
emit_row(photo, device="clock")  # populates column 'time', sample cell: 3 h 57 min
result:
7 h 01 min
